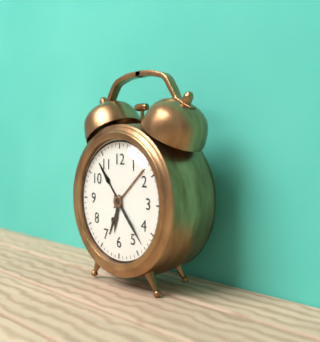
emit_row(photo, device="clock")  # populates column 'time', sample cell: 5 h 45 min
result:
6 h 23 min
